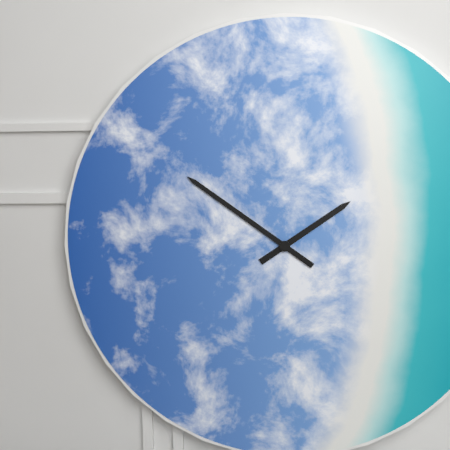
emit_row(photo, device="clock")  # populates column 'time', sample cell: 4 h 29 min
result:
1 h 51 min
